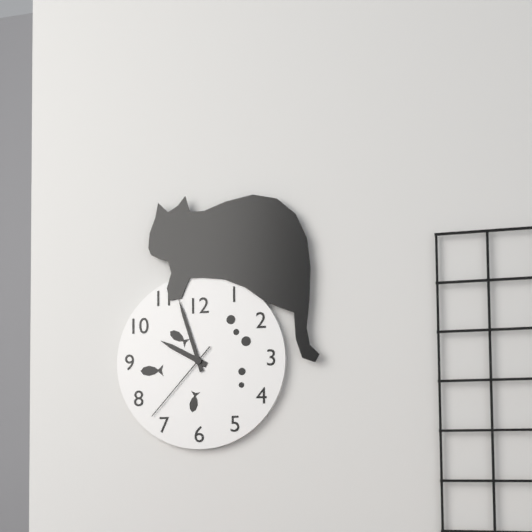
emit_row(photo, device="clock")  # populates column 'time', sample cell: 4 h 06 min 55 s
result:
9 h 57 min 37 s
